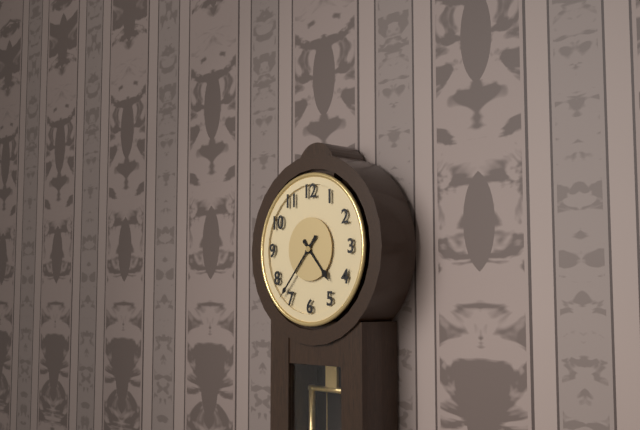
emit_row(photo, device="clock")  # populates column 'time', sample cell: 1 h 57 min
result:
4 h 37 min
